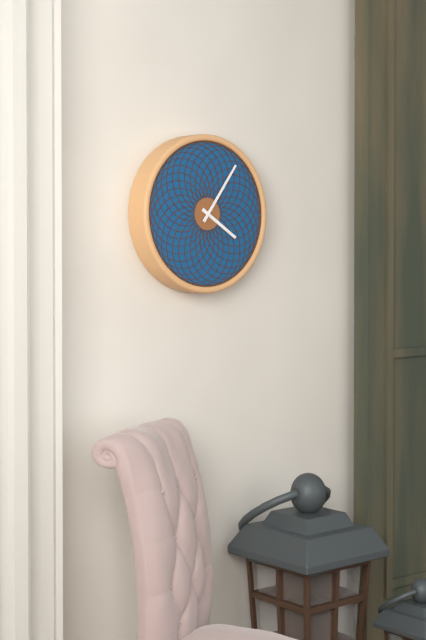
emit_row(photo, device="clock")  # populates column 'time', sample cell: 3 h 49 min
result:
4 h 06 min
